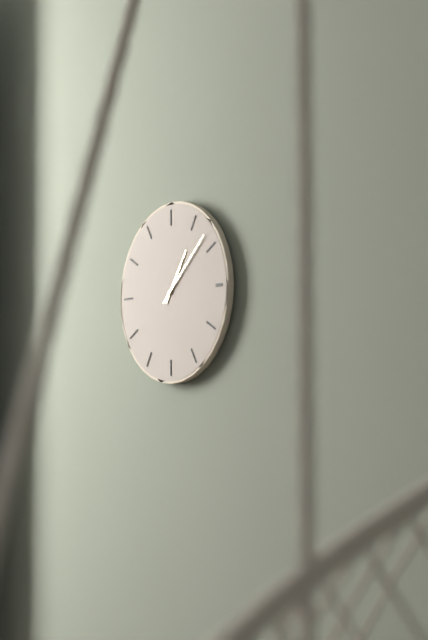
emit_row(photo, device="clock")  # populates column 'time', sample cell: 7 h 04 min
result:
1 h 08 min
